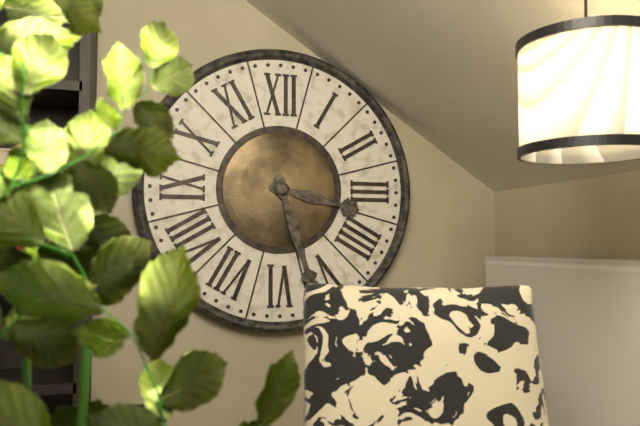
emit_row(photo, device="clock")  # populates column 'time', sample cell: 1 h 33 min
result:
3 h 27 min
